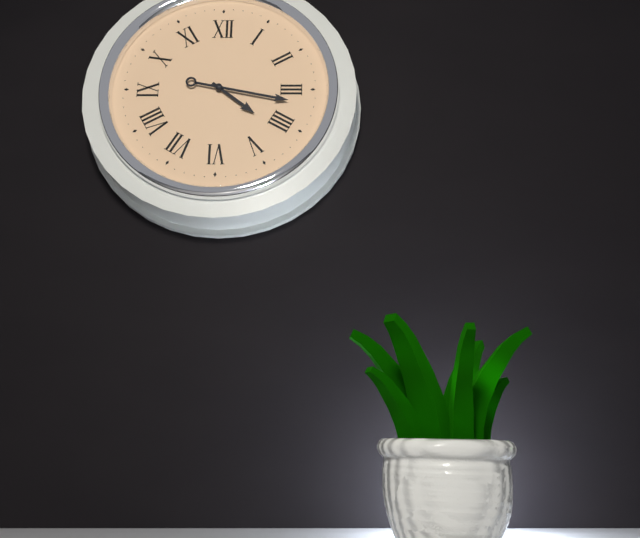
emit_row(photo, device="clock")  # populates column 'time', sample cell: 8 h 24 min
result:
4 h 17 min
